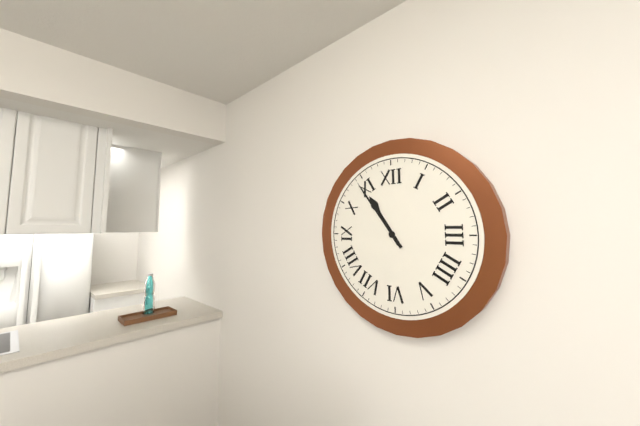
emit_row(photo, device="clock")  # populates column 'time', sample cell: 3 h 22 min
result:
10 h 54 min
